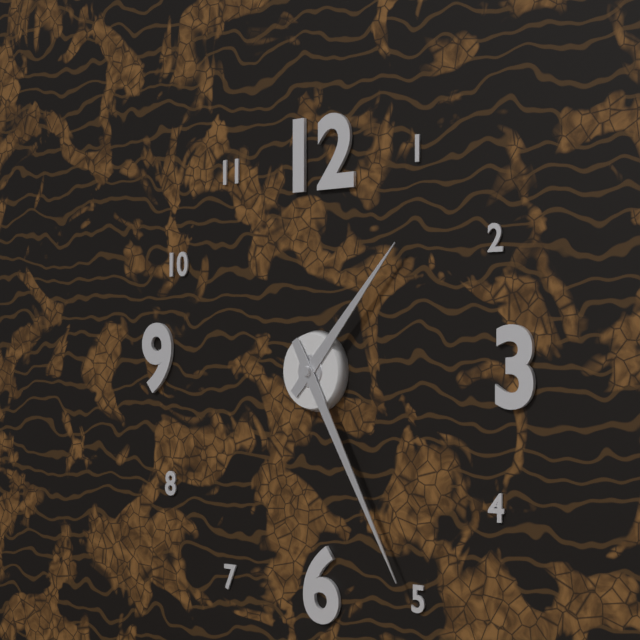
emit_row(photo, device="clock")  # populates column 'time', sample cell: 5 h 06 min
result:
1 h 25 min
